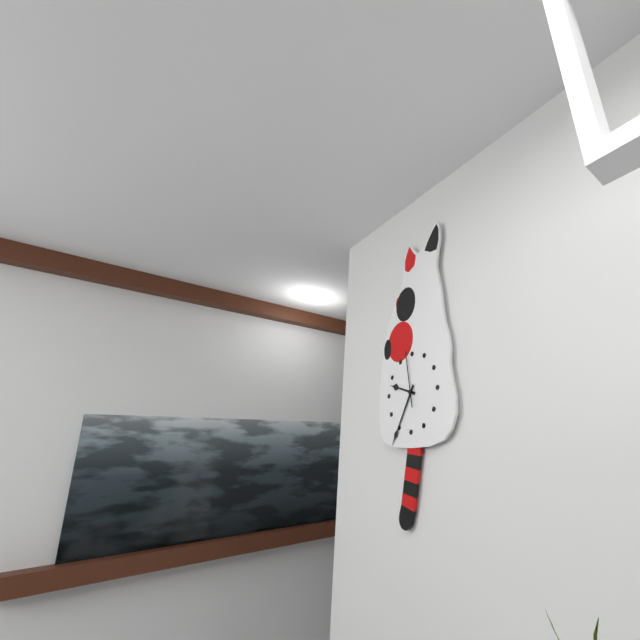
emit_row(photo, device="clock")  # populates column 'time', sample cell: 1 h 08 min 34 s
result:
9 h 35 min 58 s
